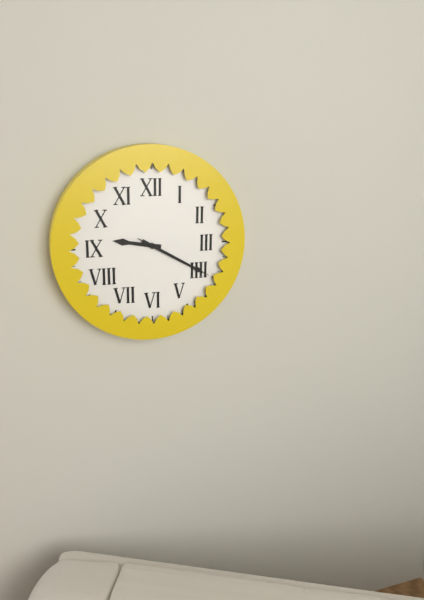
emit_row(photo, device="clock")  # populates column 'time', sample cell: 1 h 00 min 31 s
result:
9 h 20 min 20 s
